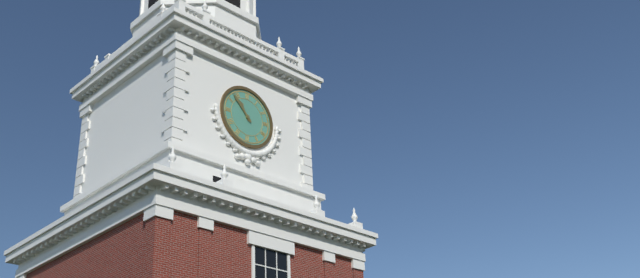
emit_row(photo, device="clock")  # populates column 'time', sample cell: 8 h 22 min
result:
10 h 53 min
